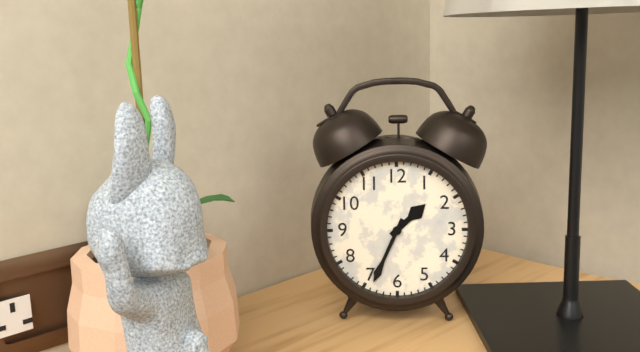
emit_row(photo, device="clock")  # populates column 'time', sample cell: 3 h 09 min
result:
1 h 34 min
